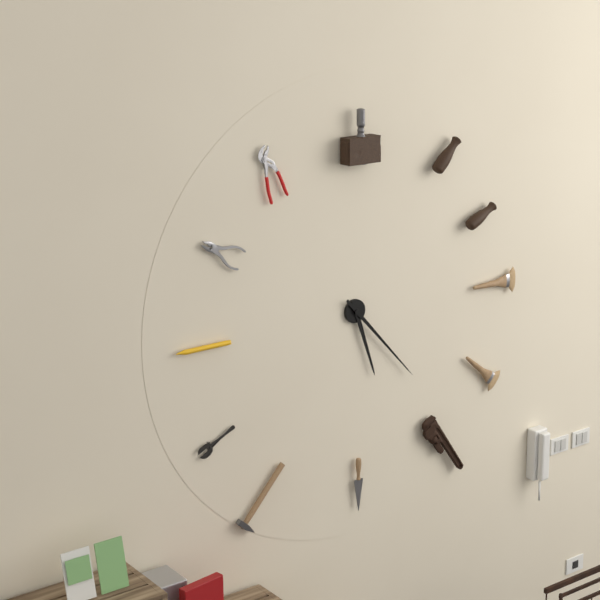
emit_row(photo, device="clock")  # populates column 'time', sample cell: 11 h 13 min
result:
5 h 23 min
